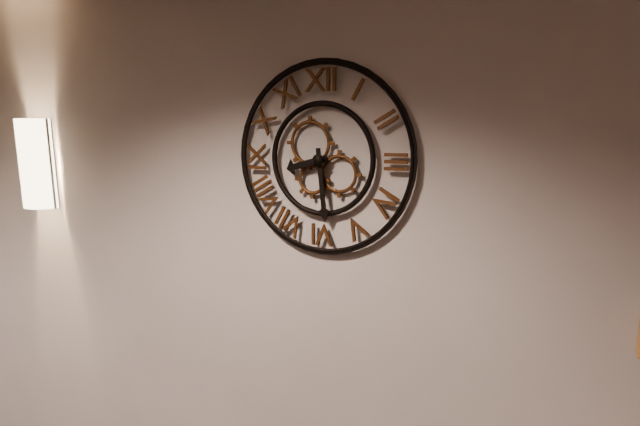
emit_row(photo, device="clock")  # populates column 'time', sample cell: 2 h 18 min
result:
8 h 29 min
